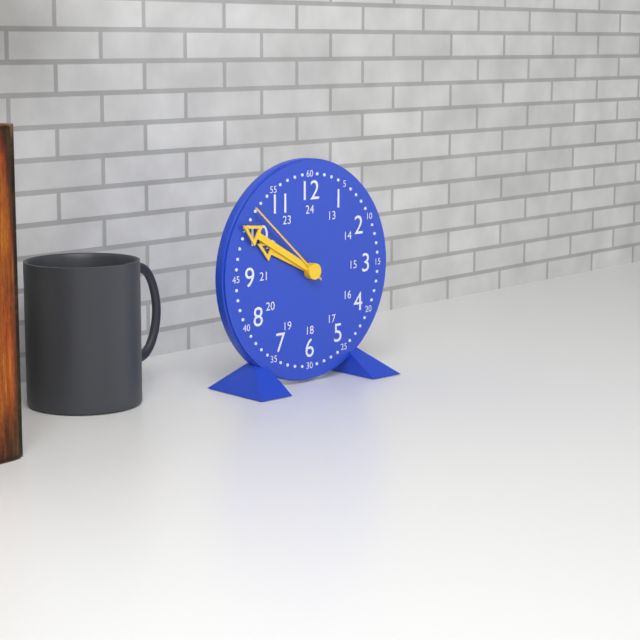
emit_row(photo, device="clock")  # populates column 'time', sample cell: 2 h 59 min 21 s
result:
9 h 50 min 52 s
